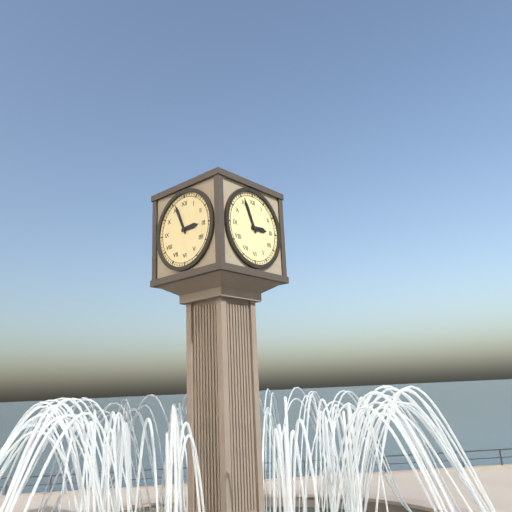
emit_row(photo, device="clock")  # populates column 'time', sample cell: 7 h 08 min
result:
2 h 56 min
